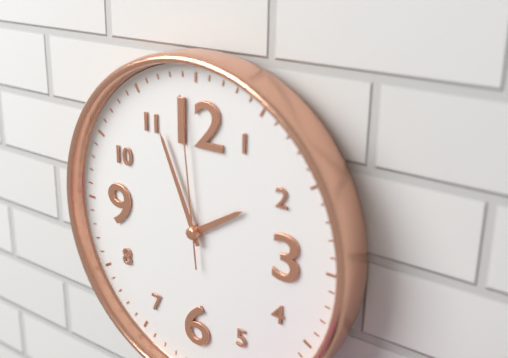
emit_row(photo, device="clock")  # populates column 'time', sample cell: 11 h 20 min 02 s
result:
1 h 56 min 59 s
